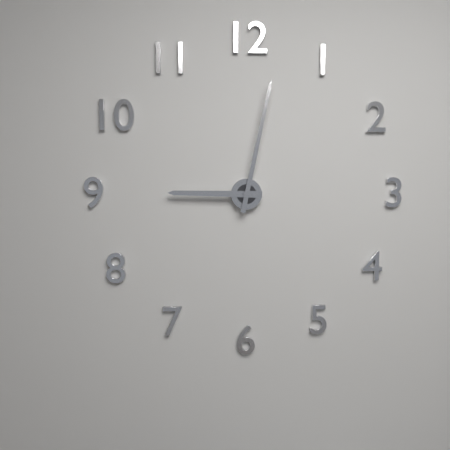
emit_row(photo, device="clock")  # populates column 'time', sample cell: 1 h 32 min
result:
9 h 02 min
